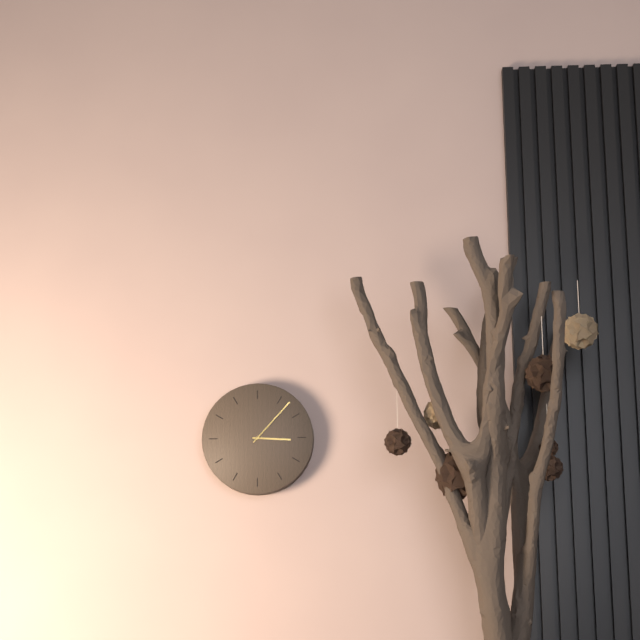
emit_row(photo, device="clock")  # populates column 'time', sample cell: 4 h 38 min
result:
3 h 07 min
